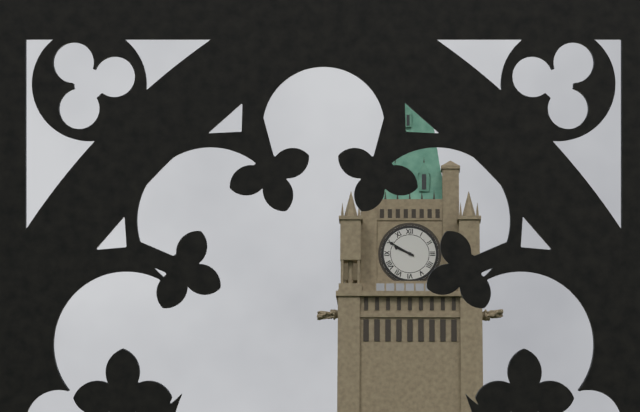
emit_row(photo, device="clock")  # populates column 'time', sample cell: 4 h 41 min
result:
9 h 50 min
